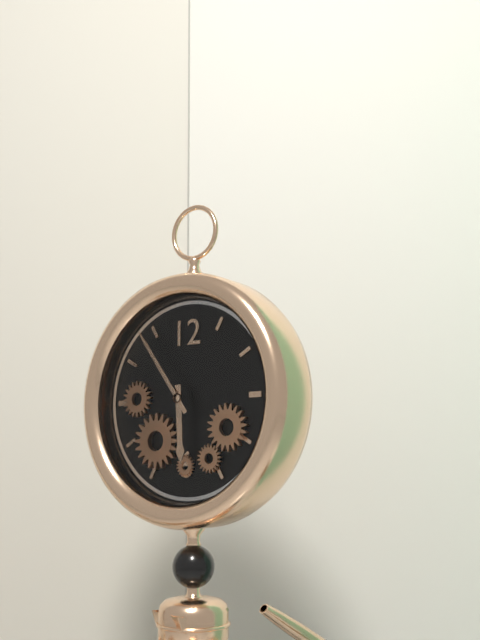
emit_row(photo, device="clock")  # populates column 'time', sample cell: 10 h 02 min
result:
5 h 54 min
